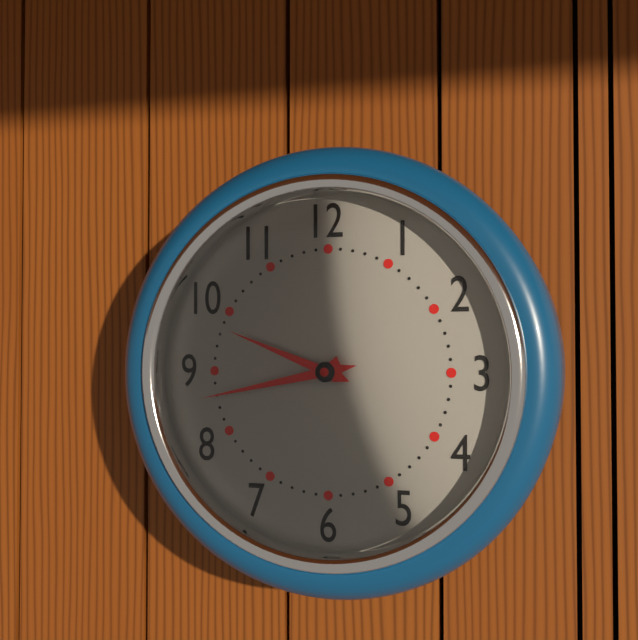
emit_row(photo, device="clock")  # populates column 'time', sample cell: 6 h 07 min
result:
9 h 43 min
